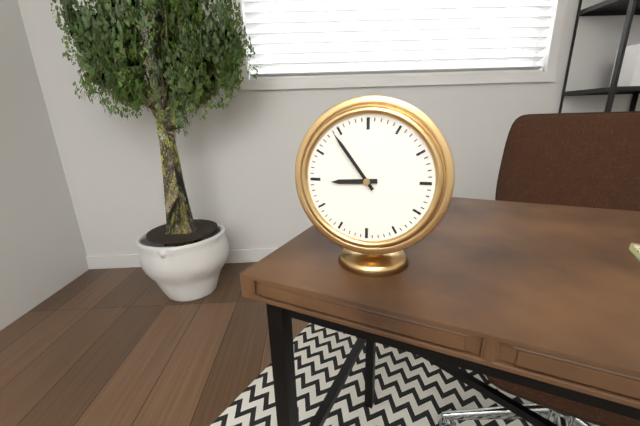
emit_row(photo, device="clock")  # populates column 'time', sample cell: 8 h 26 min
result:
8 h 54 min
